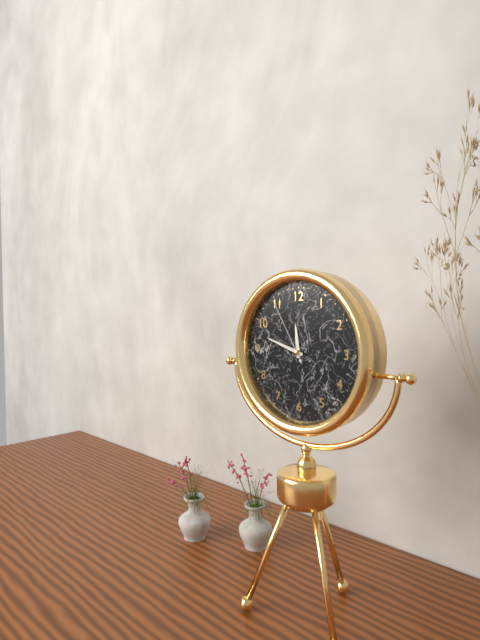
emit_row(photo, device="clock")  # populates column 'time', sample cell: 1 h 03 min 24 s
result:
11 h 48 min 55 s
